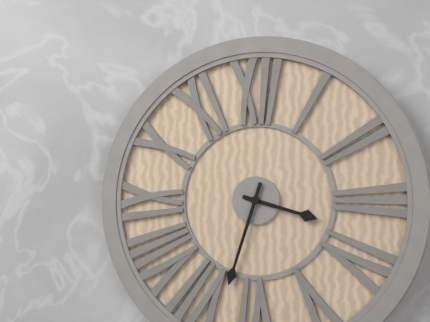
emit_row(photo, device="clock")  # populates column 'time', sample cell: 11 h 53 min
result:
3 h 33 min
